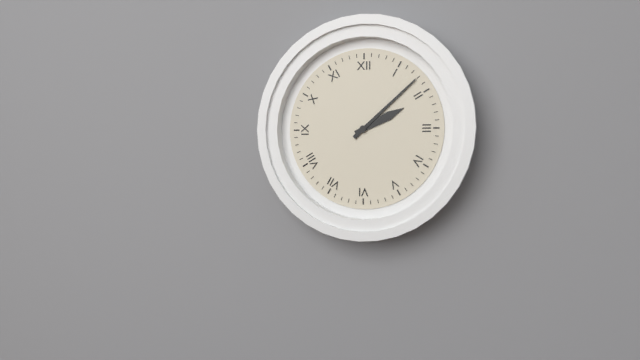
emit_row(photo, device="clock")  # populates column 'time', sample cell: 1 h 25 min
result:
2 h 08 min
